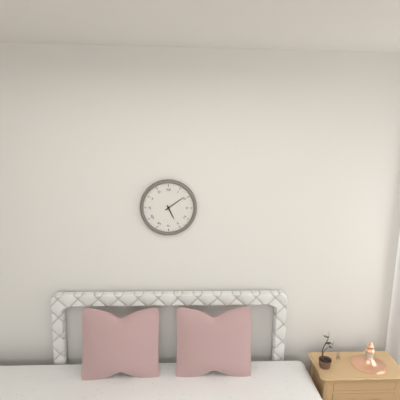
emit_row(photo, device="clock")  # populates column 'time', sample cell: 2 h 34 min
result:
5 h 09 min
